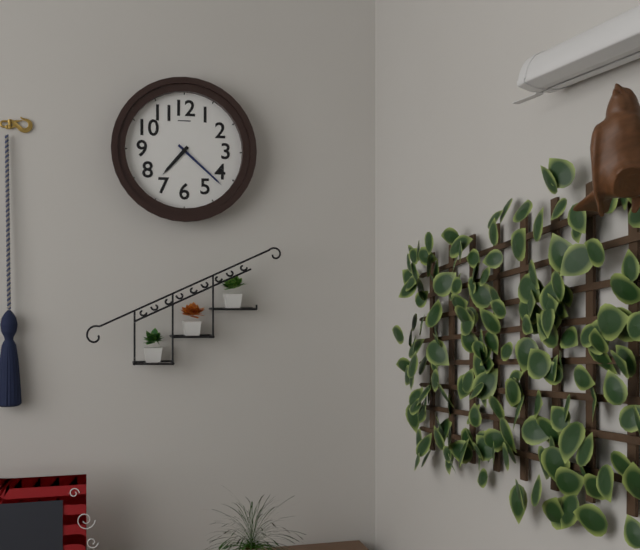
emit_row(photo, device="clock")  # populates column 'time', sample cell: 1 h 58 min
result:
7 h 22 min
